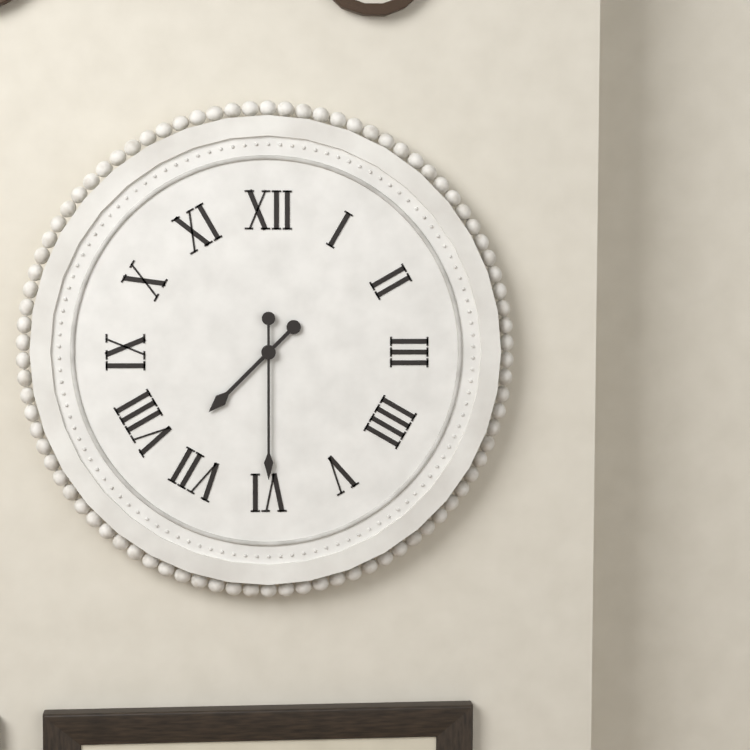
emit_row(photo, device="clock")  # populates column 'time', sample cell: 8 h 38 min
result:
7 h 30 min
